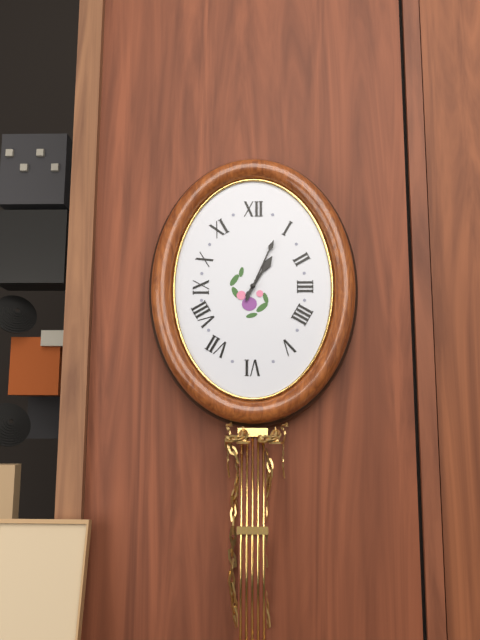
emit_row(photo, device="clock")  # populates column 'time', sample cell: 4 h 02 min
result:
1 h 04 min
